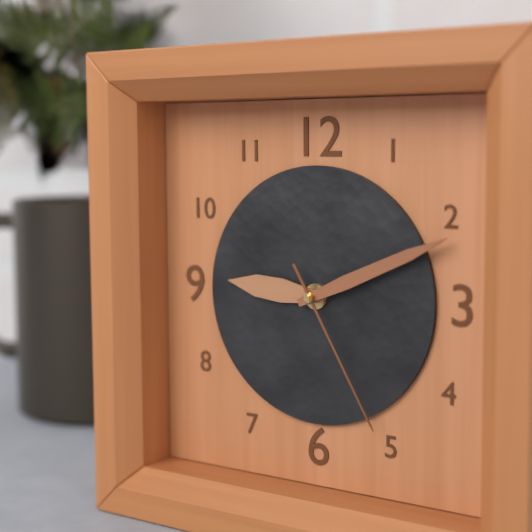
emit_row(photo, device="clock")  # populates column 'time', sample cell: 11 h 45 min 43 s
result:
9 h 11 min 25 s
